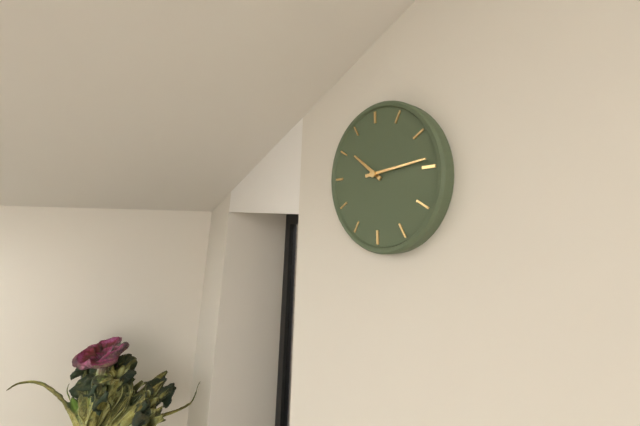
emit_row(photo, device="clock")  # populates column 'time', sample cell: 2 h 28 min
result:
10 h 14 min
